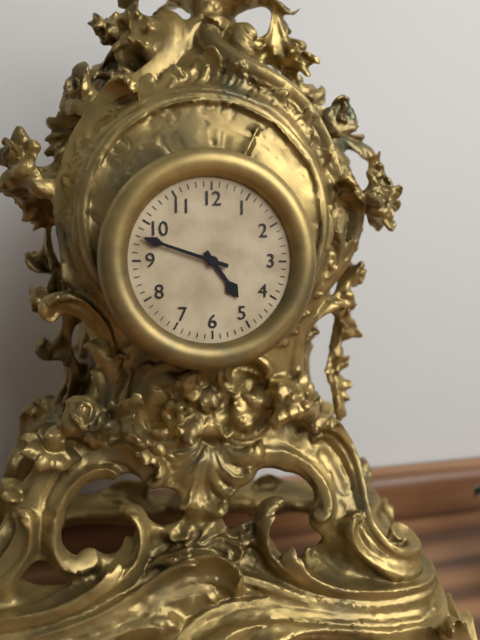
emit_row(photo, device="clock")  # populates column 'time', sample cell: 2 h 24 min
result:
4 h 48 min
